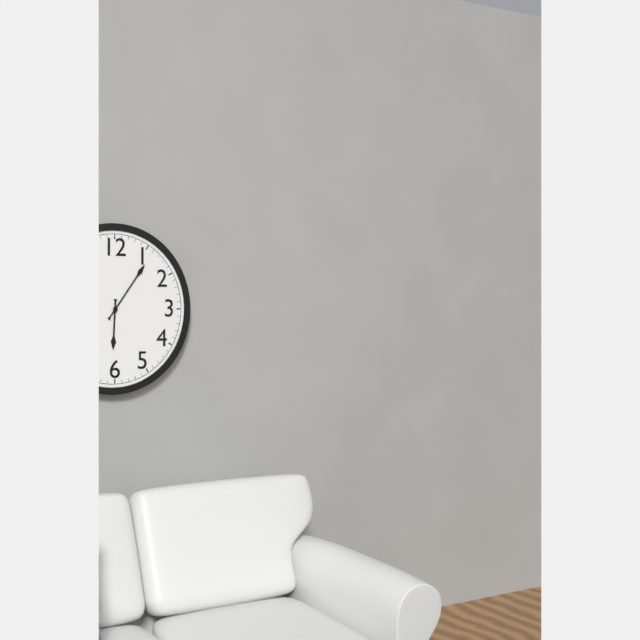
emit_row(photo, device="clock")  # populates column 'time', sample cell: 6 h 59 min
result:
6 h 06 min
